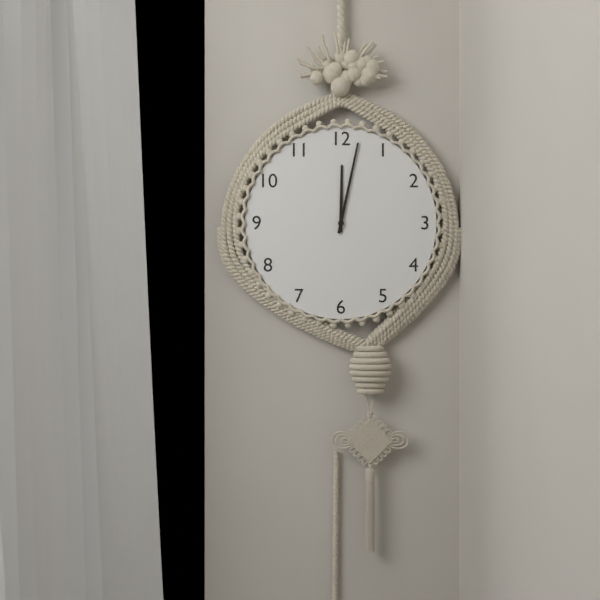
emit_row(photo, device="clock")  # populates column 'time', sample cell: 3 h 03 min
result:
12 h 02 min
